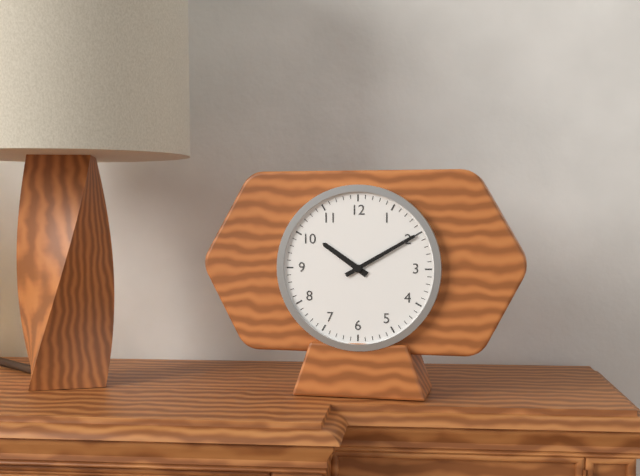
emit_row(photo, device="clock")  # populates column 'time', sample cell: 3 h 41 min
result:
10 h 10 min
